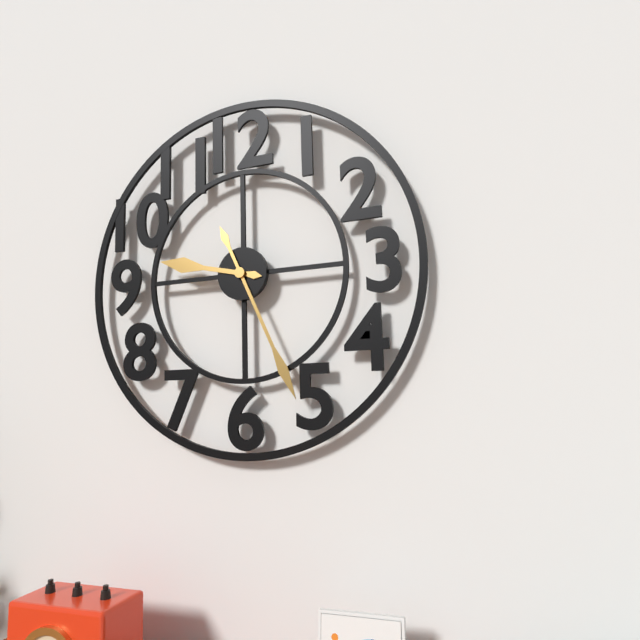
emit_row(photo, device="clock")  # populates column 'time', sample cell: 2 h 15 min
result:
9 h 26 min
